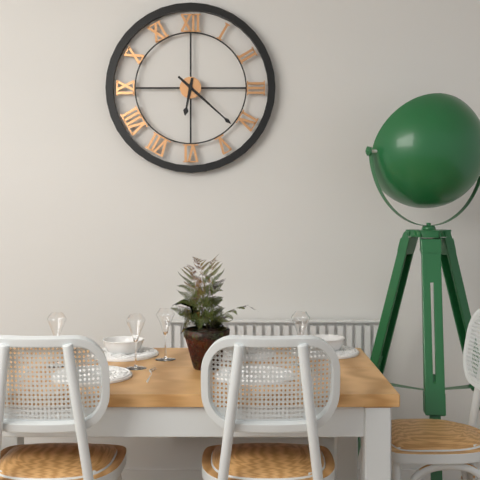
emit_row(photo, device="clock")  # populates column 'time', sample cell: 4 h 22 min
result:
6 h 22 min
